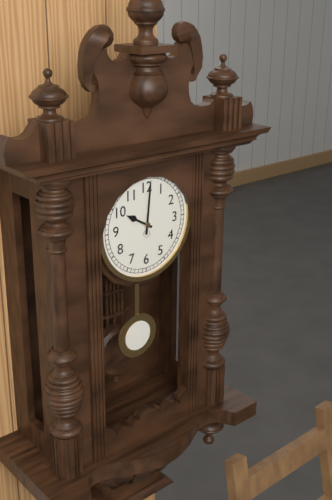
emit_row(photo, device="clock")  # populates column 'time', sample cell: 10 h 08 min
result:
10 h 01 min
